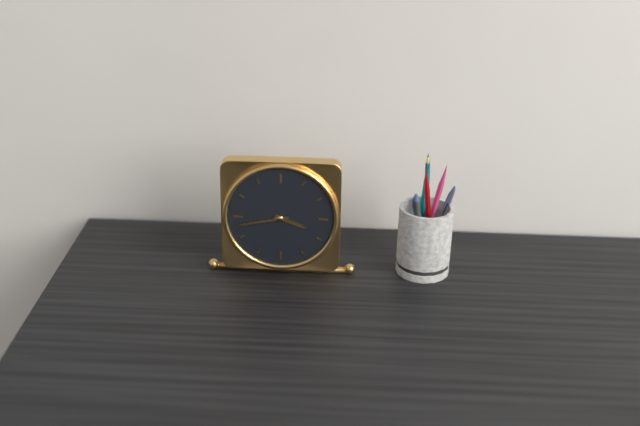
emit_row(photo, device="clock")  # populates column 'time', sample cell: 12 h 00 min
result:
3 h 43 min
